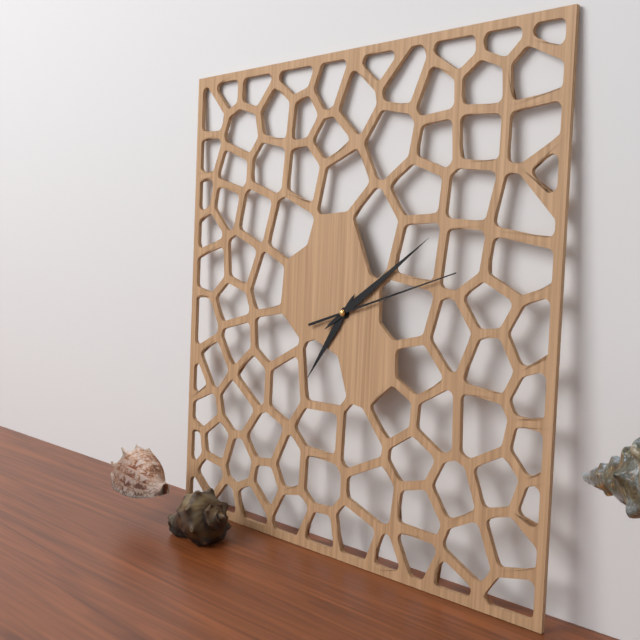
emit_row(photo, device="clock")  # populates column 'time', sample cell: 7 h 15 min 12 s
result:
7 h 09 min 12 s
